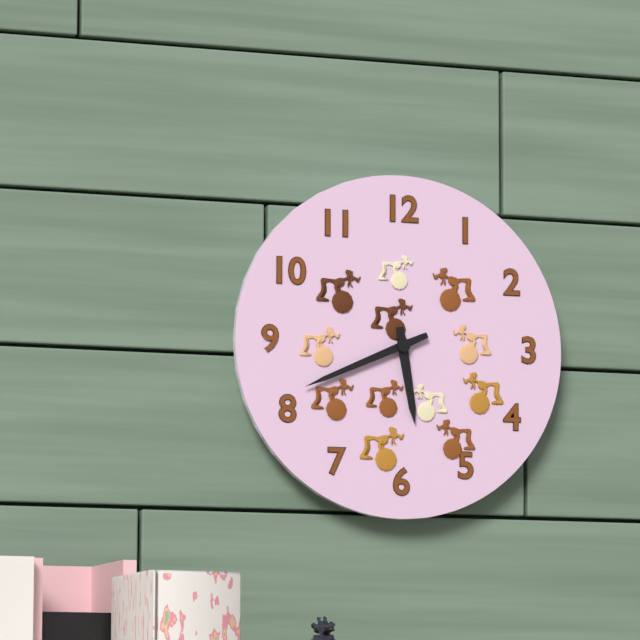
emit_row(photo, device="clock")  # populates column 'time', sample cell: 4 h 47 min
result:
5 h 41 min
